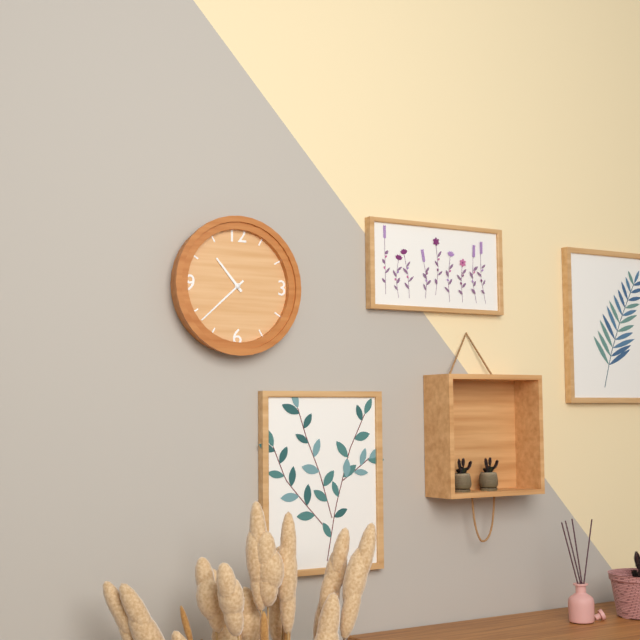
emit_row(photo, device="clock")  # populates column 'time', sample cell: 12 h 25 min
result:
10 h 38 min
